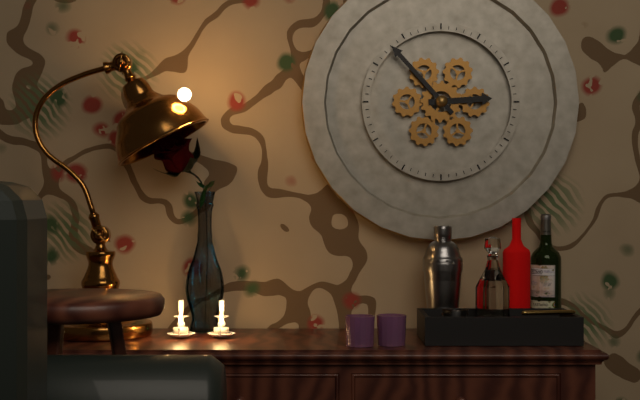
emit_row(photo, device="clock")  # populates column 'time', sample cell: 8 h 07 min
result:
2 h 53 min
